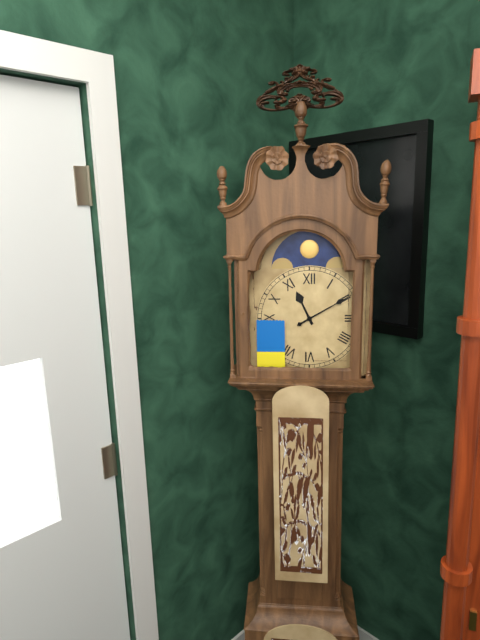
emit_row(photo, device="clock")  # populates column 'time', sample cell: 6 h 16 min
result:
11 h 10 min
